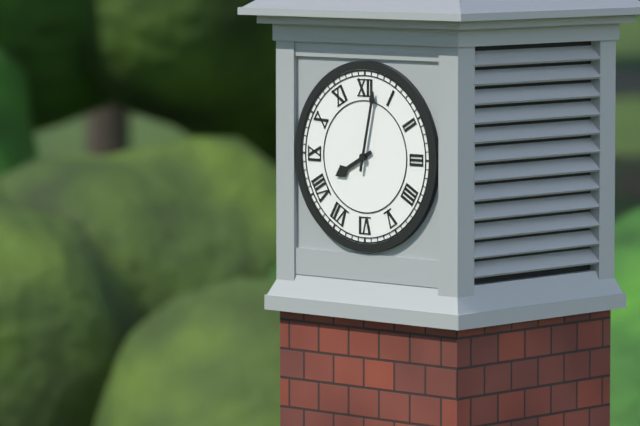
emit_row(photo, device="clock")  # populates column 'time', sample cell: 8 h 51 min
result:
8 h 02 min
